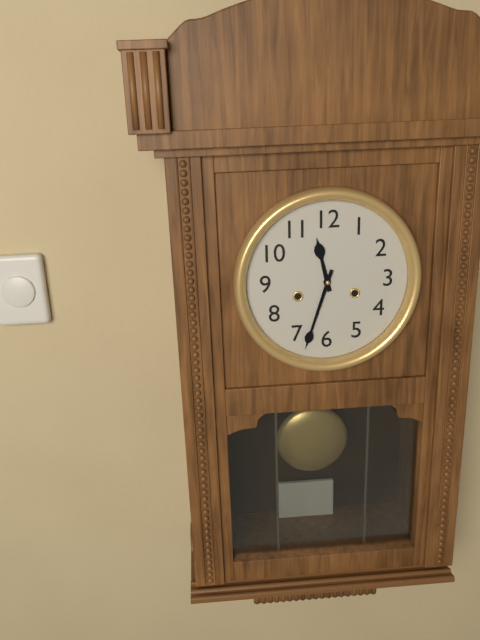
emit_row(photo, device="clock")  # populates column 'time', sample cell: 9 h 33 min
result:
11 h 33 min
